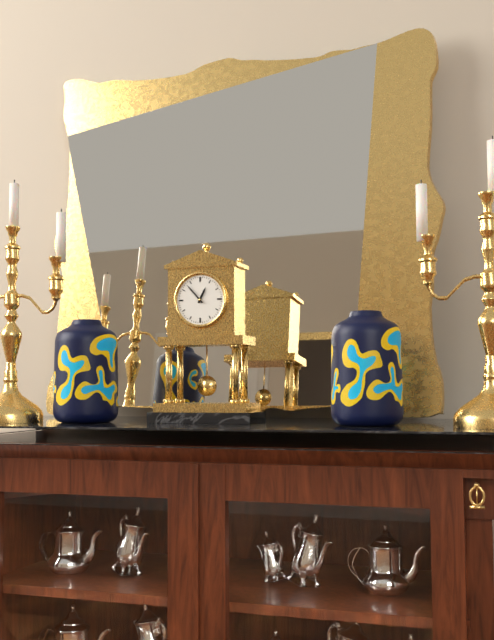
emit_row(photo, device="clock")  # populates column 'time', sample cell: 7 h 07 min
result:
12 h 53 min
